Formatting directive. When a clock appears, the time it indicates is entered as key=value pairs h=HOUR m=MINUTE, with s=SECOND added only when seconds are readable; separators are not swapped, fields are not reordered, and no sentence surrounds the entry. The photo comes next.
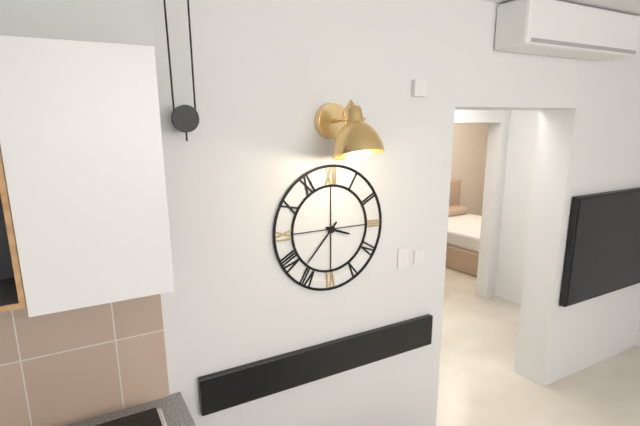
h=3 m=37
